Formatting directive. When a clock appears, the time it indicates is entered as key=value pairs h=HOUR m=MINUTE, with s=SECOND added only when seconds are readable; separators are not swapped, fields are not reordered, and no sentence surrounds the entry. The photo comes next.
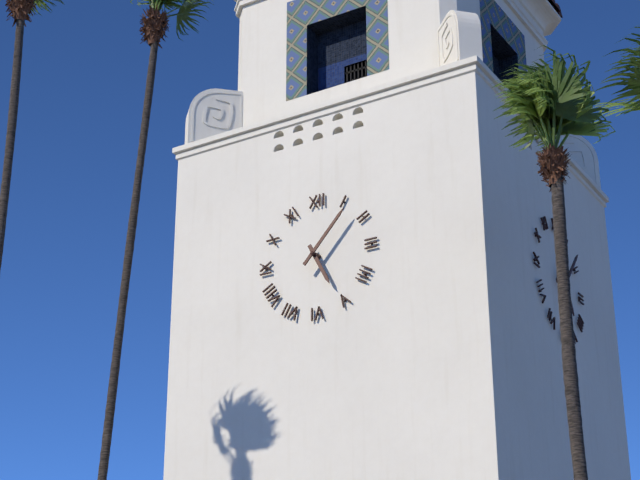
h=5 m=7
